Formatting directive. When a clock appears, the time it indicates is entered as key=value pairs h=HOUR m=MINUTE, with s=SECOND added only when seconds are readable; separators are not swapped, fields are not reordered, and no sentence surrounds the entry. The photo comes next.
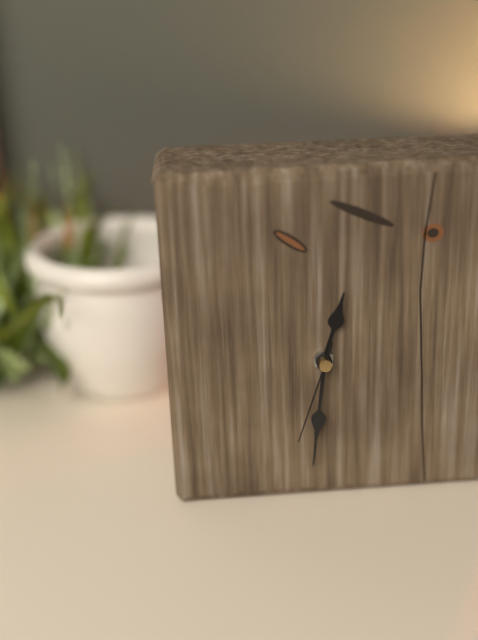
h=12 m=31 s=33
